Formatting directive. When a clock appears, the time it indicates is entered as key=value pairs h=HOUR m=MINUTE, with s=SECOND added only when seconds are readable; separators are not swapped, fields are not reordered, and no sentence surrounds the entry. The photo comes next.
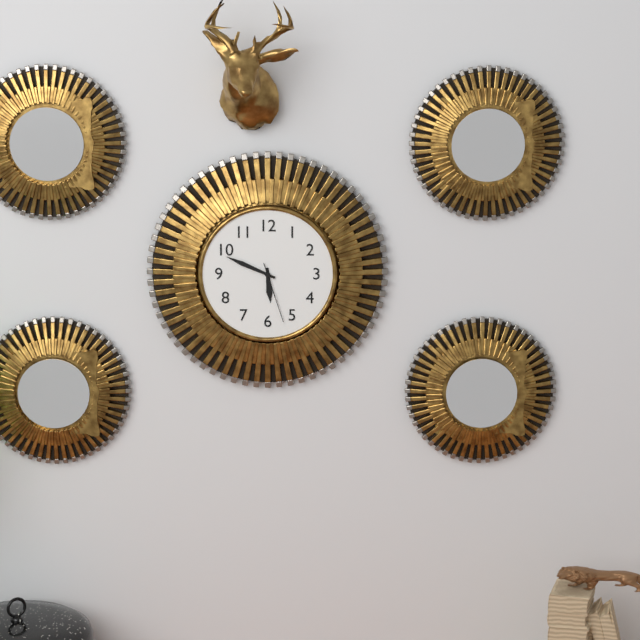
h=5 m=49 s=27
